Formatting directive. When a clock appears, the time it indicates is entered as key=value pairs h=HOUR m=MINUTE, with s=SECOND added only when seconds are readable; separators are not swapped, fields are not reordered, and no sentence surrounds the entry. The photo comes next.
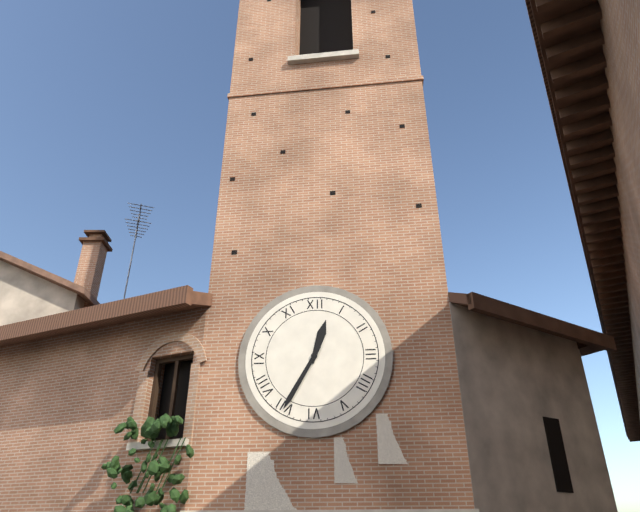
h=12 m=35
